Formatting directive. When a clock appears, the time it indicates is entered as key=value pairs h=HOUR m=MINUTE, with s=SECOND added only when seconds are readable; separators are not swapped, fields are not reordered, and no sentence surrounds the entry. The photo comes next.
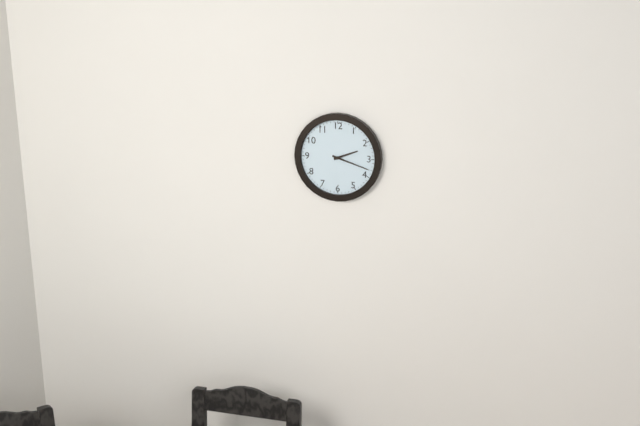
h=2 m=18
